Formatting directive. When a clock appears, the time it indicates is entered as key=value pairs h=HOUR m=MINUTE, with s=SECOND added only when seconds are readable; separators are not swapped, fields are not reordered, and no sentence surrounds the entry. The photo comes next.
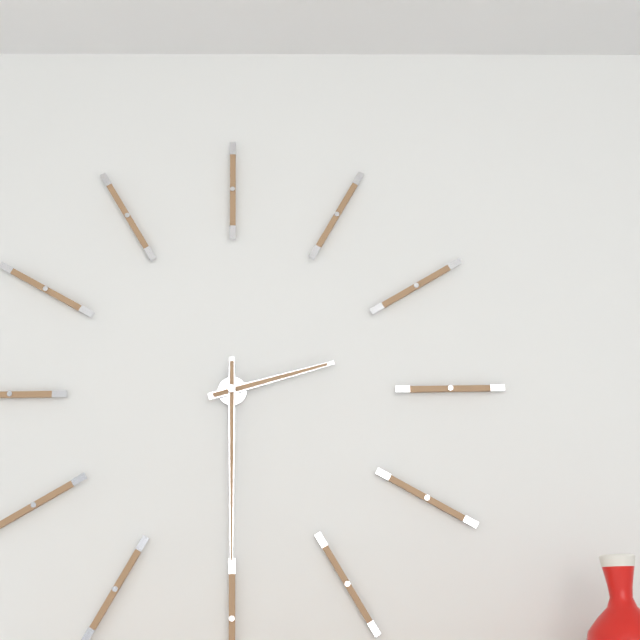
h=2 m=30
